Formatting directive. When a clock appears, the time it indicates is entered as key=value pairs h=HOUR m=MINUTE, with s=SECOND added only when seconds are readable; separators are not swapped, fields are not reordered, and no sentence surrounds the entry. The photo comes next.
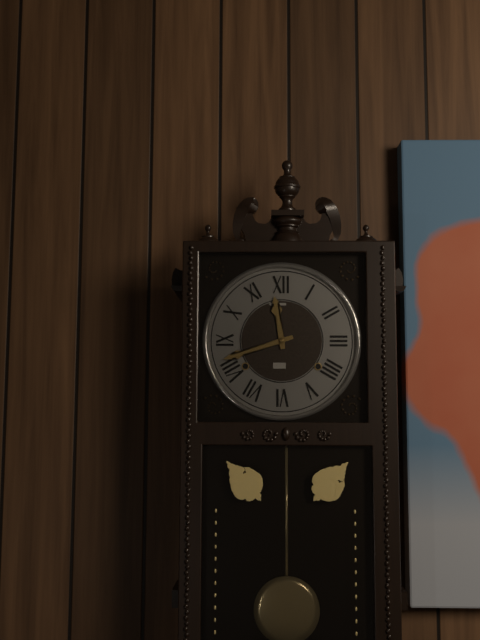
h=11 m=42
